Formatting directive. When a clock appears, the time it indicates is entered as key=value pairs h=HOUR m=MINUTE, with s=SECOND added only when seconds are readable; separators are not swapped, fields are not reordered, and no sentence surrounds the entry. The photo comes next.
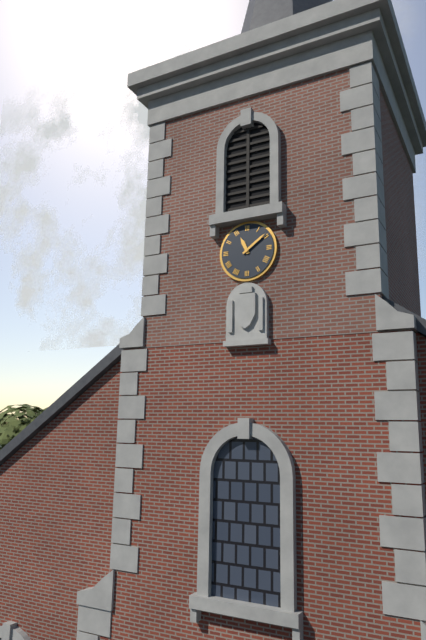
h=11 m=9
